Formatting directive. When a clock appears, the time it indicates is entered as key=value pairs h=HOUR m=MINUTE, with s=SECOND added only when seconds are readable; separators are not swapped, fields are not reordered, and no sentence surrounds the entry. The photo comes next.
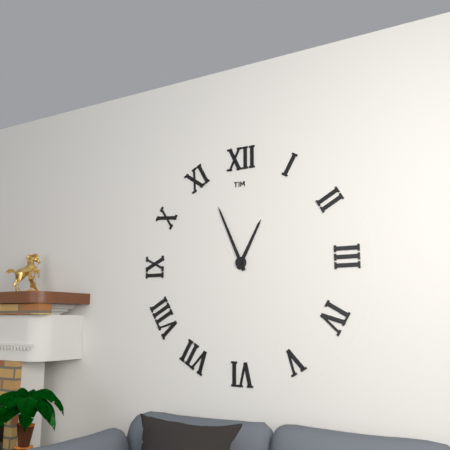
h=12 m=56
